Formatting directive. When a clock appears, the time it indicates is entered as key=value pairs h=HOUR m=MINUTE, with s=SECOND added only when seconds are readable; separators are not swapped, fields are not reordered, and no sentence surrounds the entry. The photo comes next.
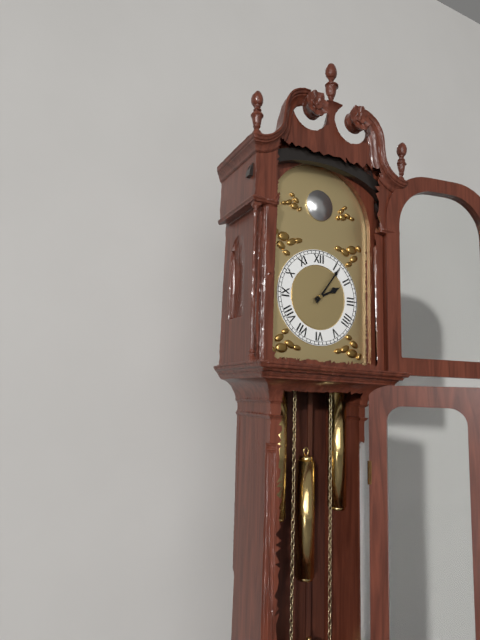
h=2 m=6
